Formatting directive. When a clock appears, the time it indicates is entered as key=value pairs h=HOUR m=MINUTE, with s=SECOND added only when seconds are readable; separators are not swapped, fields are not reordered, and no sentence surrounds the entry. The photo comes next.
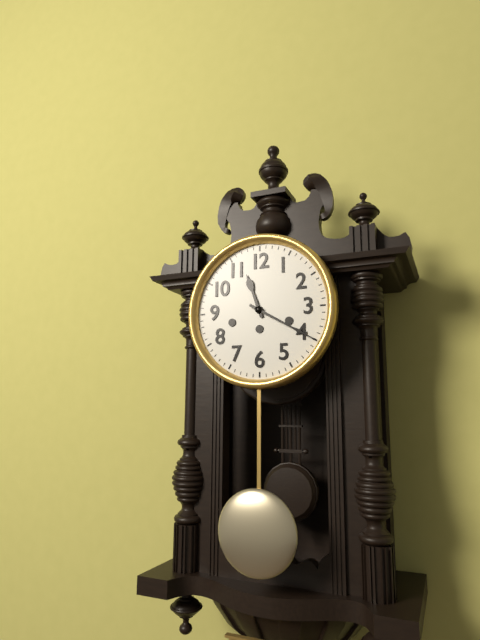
h=11 m=20
